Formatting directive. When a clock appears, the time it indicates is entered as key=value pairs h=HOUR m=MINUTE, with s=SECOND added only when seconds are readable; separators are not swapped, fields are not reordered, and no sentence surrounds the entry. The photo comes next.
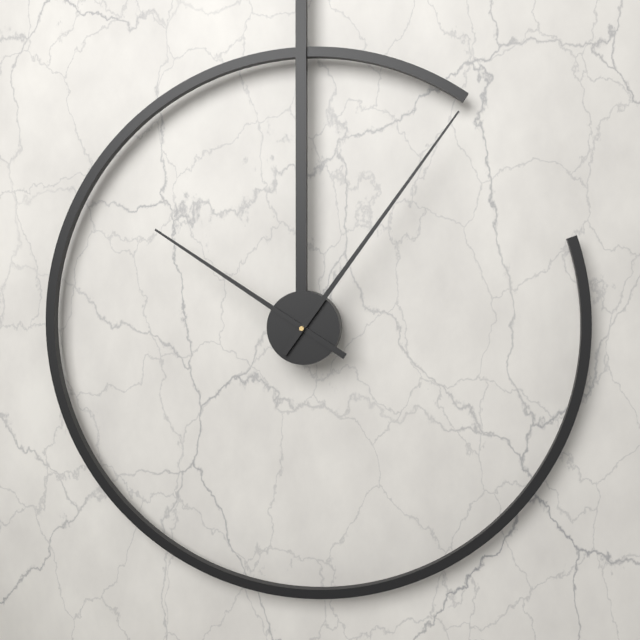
h=10 m=6
